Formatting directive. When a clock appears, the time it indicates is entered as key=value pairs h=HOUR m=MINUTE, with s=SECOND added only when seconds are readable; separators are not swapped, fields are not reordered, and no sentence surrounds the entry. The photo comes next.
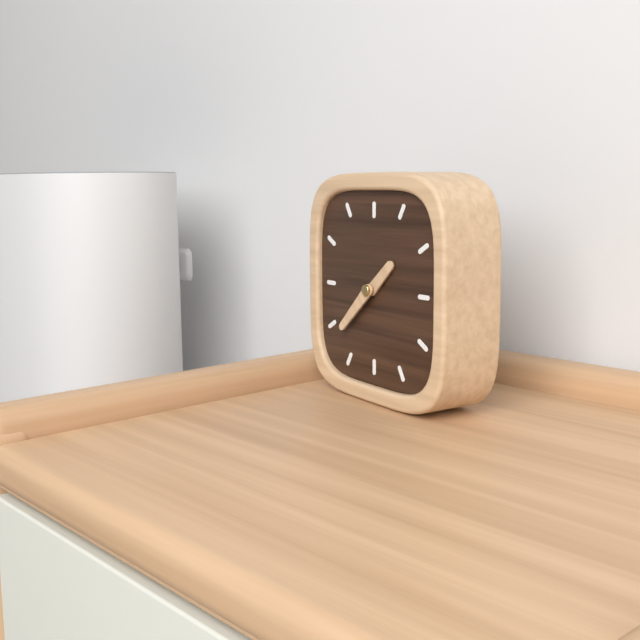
h=1 m=38
